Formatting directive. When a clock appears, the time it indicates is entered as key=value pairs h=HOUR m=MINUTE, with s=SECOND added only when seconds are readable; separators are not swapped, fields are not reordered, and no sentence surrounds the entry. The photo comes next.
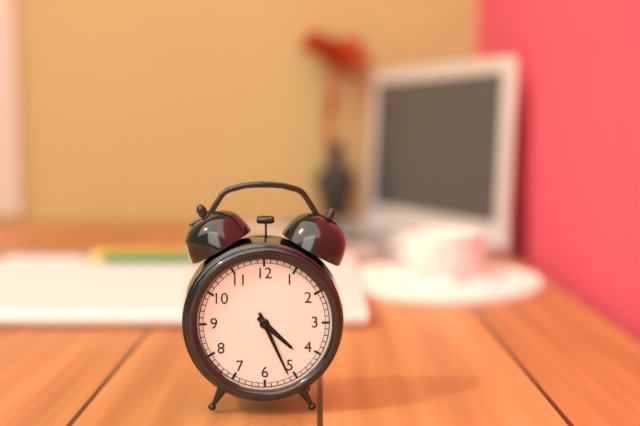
h=4 m=26
